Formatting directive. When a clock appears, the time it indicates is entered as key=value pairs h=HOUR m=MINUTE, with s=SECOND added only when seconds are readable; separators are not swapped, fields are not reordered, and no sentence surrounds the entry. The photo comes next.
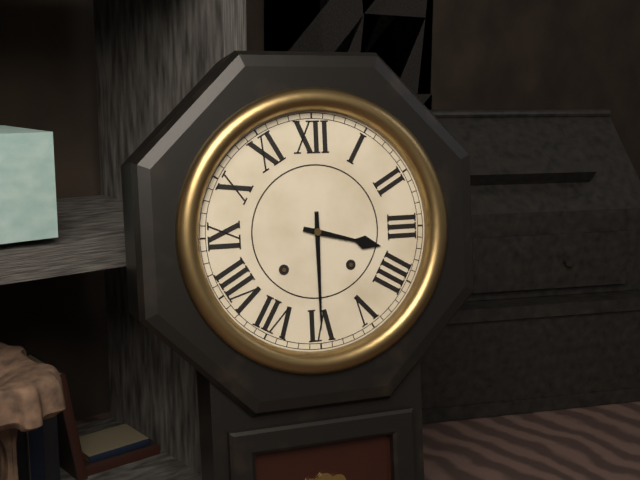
h=3 m=30
